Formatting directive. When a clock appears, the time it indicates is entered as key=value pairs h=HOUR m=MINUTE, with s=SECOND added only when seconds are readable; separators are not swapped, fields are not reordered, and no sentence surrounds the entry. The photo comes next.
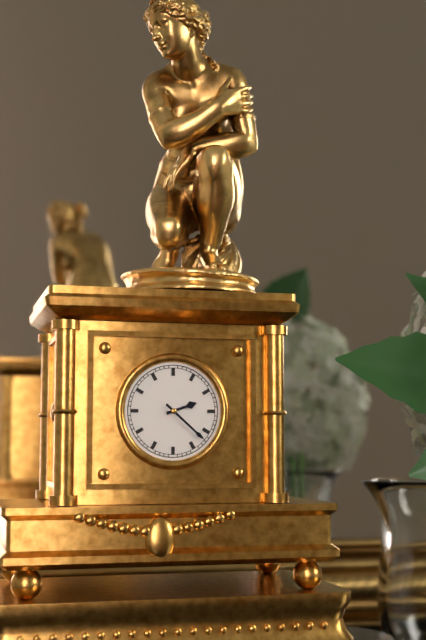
h=2 m=22
